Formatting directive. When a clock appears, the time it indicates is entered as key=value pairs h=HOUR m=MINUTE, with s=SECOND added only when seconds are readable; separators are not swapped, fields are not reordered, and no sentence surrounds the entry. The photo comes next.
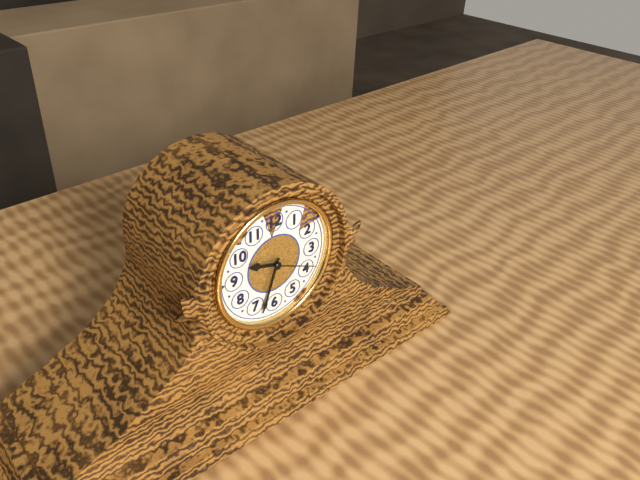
h=9 m=33 s=19
